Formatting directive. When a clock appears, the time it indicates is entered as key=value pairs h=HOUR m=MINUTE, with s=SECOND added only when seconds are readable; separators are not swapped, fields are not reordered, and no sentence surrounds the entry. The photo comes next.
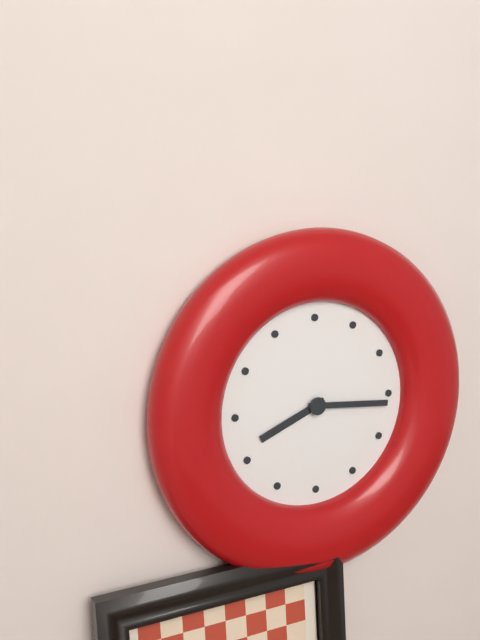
h=8 m=16
